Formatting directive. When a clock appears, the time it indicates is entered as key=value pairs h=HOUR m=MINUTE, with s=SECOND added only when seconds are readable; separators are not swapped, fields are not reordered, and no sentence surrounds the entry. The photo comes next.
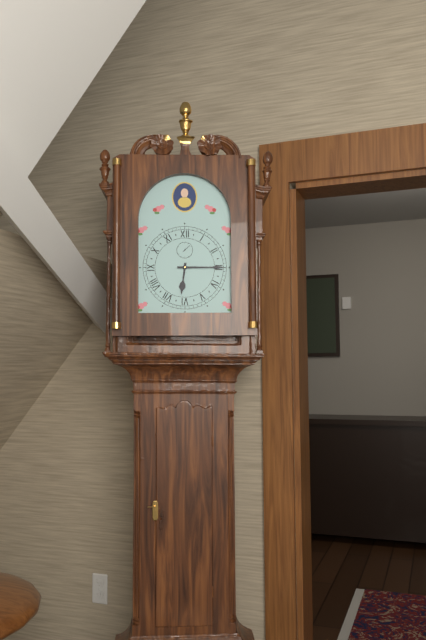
h=6 m=15
